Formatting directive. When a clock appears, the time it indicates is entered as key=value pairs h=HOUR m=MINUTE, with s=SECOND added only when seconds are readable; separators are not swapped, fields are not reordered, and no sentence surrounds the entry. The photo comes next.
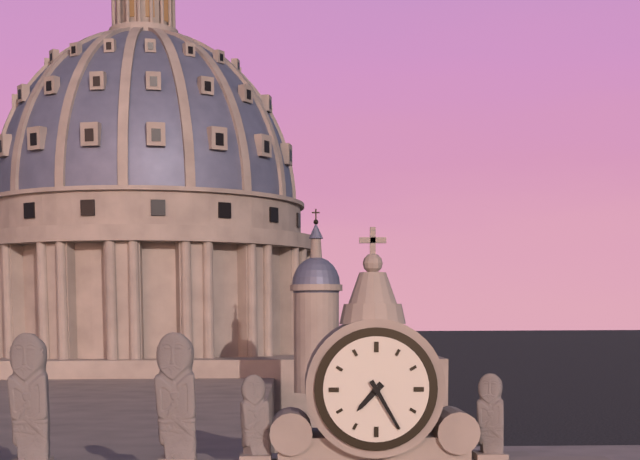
h=7 m=25
